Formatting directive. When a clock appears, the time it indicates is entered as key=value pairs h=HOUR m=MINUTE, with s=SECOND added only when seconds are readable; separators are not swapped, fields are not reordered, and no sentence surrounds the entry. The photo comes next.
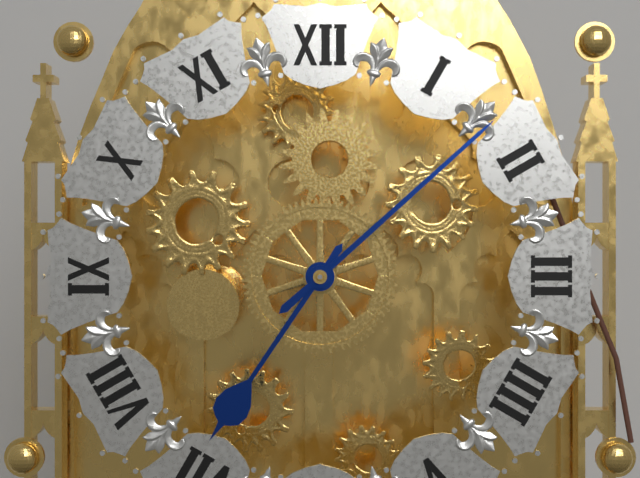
h=7 m=8
